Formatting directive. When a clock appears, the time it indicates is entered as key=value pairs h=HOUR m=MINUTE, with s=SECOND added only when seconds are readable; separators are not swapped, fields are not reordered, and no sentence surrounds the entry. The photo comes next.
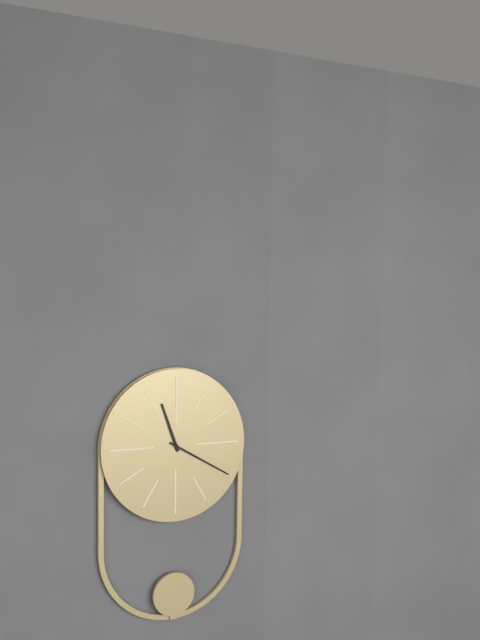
h=11 m=20
